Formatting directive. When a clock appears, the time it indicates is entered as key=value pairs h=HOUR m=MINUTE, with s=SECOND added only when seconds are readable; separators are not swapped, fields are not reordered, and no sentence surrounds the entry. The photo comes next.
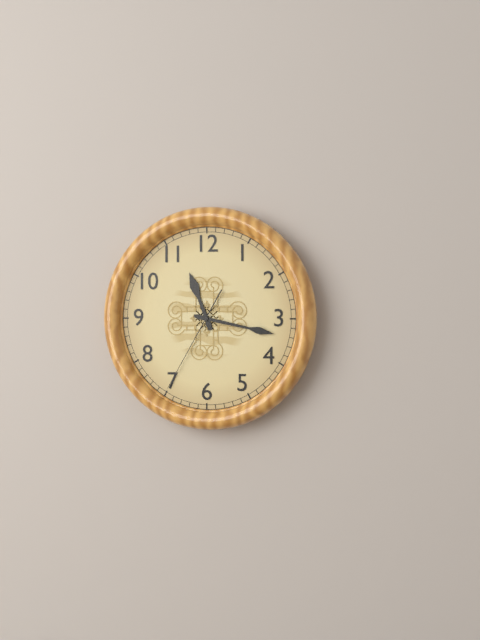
h=11 m=17 s=35
